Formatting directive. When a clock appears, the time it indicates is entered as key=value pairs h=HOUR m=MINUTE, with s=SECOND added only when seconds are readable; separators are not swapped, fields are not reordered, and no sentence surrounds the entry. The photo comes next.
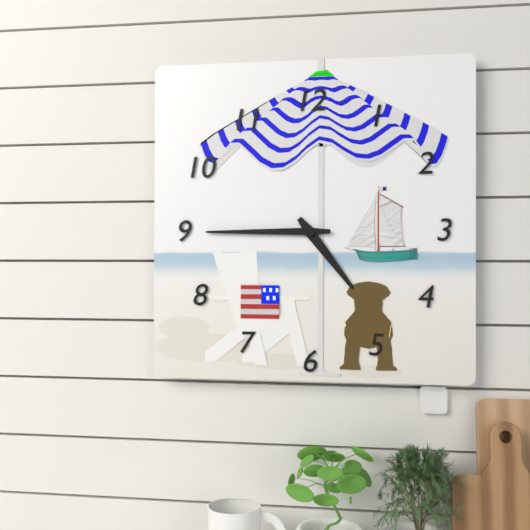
h=4 m=45
